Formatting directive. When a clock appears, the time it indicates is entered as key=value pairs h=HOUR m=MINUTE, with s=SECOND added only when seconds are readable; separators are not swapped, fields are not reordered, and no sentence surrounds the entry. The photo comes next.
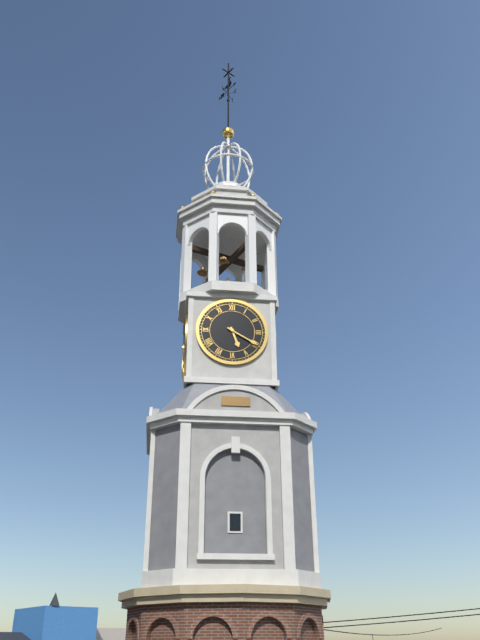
h=5 m=20
